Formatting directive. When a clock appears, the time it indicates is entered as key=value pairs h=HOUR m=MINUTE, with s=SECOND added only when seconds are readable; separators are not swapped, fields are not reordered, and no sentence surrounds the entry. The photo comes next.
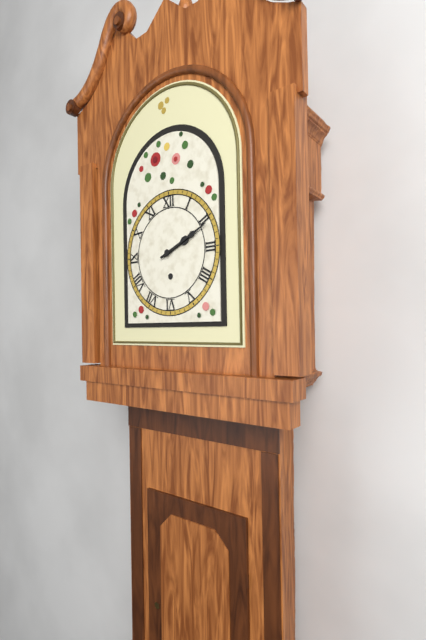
h=2 m=11
